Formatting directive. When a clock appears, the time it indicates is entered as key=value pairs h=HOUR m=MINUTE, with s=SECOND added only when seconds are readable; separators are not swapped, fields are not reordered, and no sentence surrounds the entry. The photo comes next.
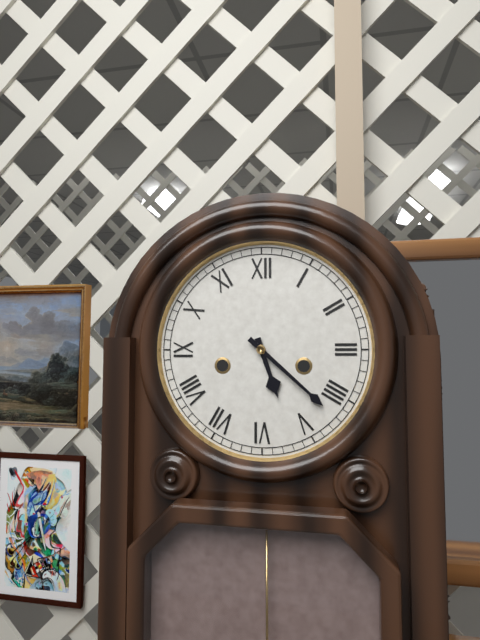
h=5 m=22
